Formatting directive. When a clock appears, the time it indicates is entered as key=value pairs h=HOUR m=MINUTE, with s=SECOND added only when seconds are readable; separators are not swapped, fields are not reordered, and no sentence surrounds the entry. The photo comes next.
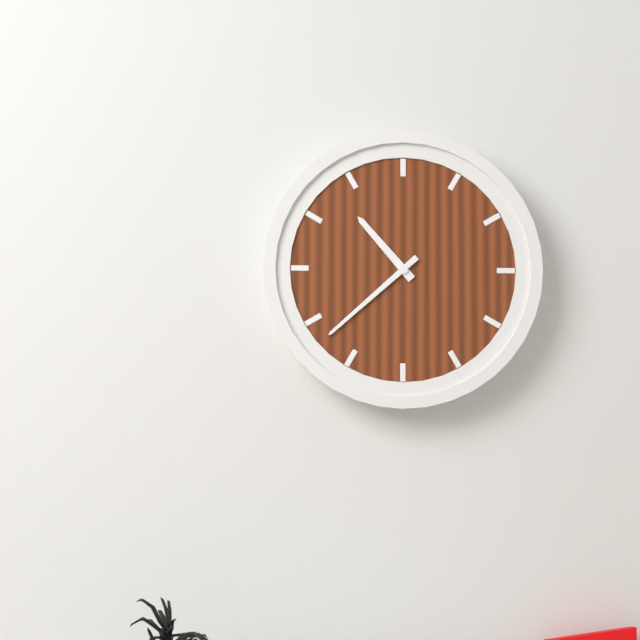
h=10 m=38
